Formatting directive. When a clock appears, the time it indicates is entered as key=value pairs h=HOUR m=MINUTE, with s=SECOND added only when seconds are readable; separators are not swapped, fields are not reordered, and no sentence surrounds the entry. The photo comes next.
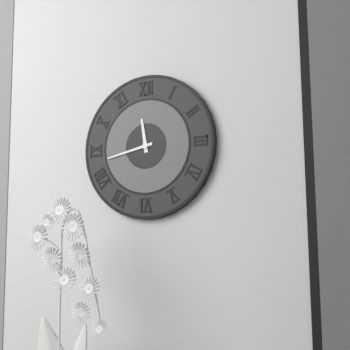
h=11 m=43
